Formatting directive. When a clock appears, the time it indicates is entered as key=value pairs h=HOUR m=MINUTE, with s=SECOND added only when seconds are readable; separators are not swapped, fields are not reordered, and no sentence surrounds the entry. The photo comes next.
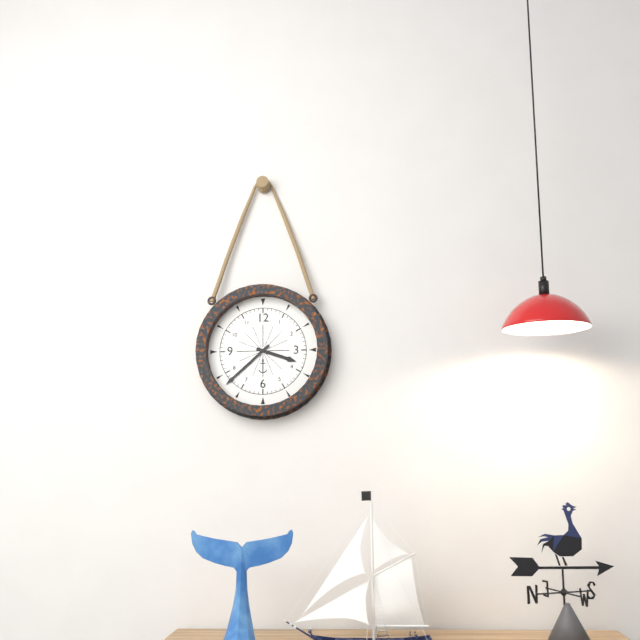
h=3 m=38
